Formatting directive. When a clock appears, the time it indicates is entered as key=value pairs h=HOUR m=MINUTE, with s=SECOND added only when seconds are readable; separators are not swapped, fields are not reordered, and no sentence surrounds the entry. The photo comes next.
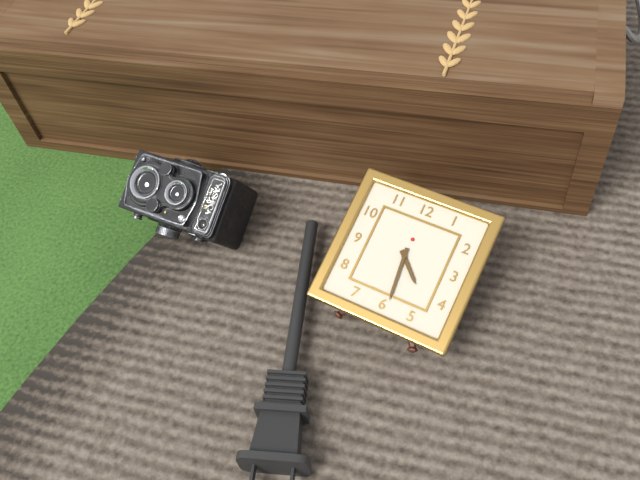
h=4 m=29
